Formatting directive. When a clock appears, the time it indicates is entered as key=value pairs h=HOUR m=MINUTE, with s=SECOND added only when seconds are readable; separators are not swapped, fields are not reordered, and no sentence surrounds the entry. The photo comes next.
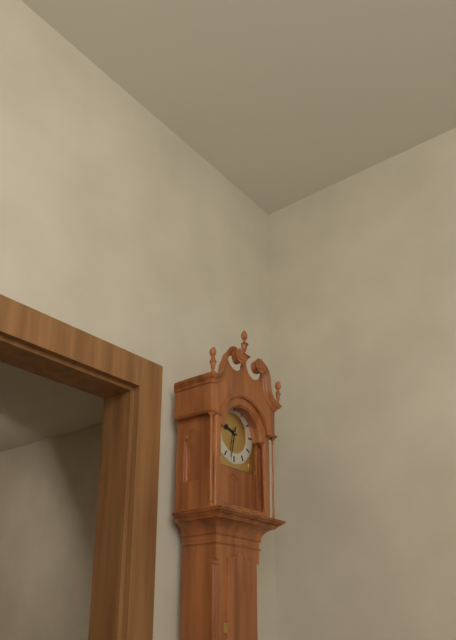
h=9 m=32
